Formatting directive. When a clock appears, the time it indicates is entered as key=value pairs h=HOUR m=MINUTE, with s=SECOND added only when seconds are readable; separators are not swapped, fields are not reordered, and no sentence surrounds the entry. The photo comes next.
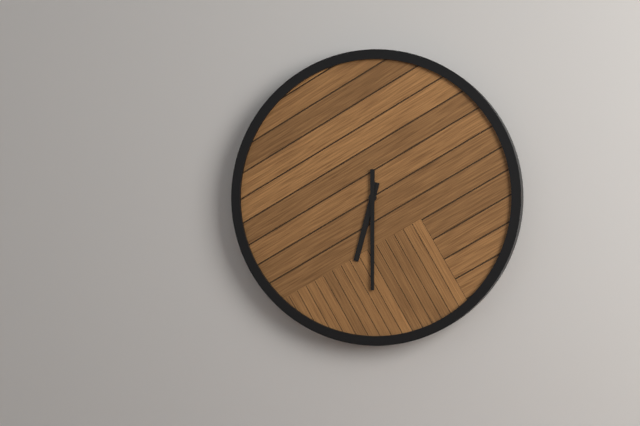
h=6 m=30
